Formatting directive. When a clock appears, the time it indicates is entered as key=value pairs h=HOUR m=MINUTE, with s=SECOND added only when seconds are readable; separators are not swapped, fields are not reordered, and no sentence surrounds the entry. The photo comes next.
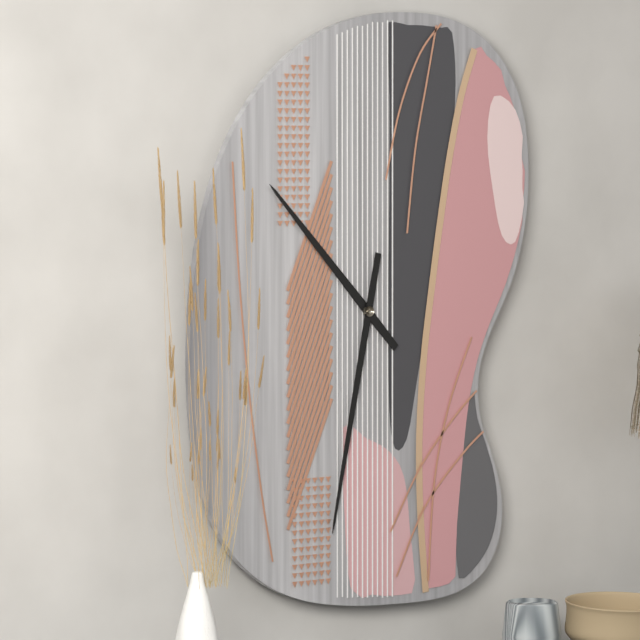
h=10 m=32
